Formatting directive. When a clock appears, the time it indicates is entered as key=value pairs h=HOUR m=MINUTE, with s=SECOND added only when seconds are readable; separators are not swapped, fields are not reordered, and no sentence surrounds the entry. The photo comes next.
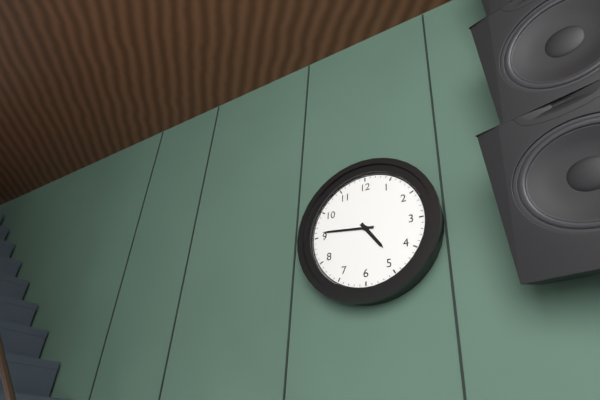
h=4 m=46
